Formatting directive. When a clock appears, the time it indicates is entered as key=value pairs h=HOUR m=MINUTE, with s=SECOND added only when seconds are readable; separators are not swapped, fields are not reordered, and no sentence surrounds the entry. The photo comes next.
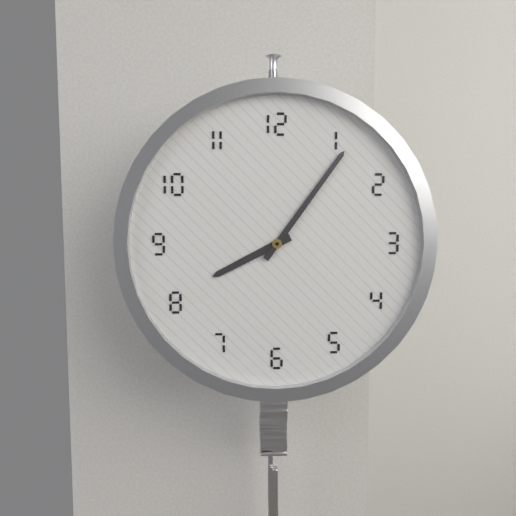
h=8 m=6
